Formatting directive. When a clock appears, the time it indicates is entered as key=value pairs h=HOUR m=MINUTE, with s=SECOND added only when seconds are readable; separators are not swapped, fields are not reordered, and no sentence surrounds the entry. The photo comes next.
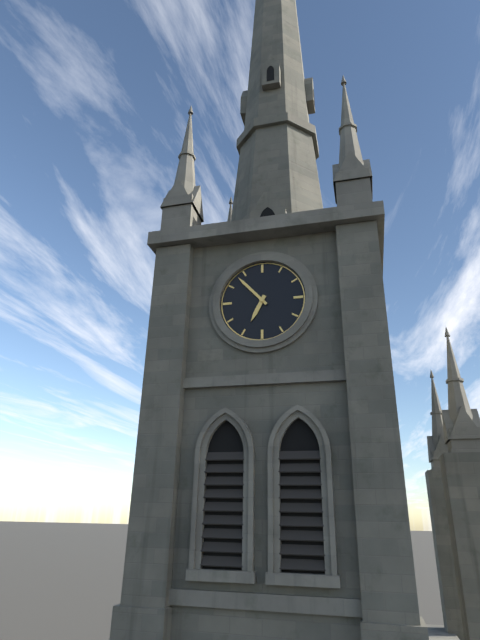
h=6 m=53
